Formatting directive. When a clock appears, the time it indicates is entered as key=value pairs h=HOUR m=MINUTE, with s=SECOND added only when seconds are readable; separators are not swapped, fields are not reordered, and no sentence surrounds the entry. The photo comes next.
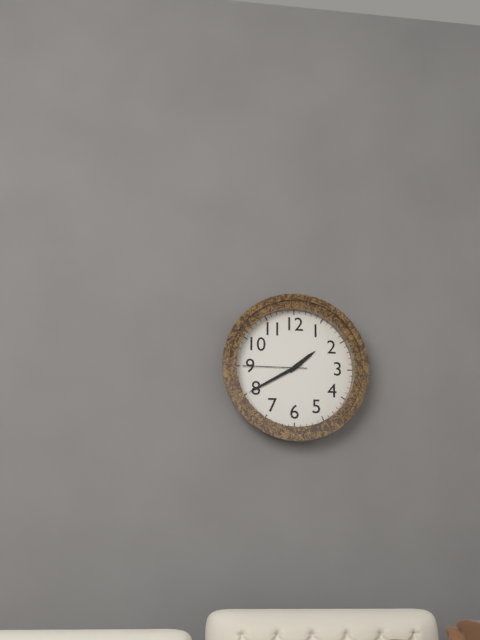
h=1 m=40 s=45
